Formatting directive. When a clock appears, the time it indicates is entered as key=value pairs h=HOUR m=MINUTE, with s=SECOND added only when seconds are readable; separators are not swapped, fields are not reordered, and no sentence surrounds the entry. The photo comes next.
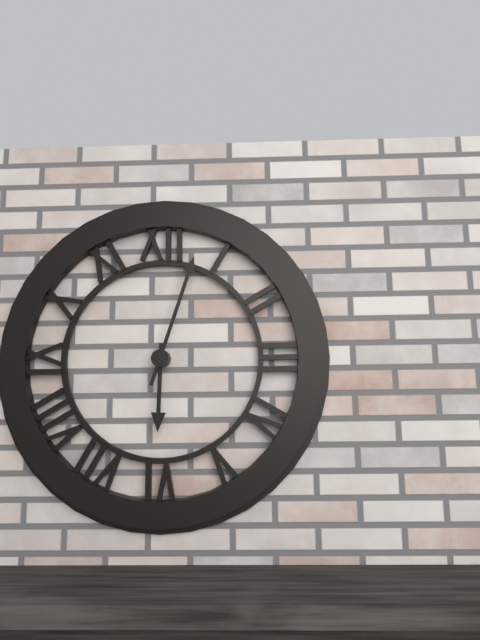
h=6 m=3
